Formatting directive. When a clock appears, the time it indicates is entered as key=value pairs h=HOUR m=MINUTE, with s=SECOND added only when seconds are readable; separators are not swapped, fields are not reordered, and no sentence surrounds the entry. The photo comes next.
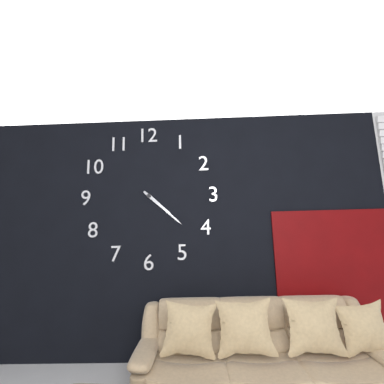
h=4 m=22
